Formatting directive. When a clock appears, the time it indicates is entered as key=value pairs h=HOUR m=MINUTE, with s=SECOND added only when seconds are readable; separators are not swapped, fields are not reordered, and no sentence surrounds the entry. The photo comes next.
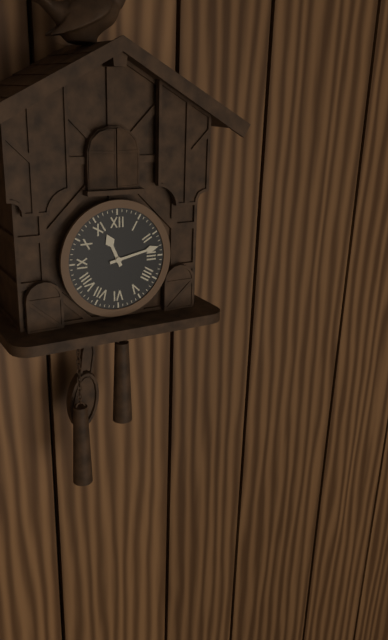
h=11 m=13
